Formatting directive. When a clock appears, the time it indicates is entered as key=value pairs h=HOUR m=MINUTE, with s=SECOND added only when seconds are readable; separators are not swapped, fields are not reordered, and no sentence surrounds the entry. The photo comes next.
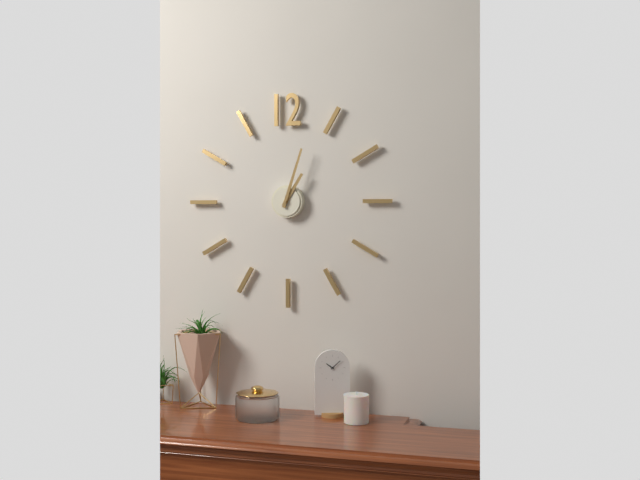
h=1 m=3
